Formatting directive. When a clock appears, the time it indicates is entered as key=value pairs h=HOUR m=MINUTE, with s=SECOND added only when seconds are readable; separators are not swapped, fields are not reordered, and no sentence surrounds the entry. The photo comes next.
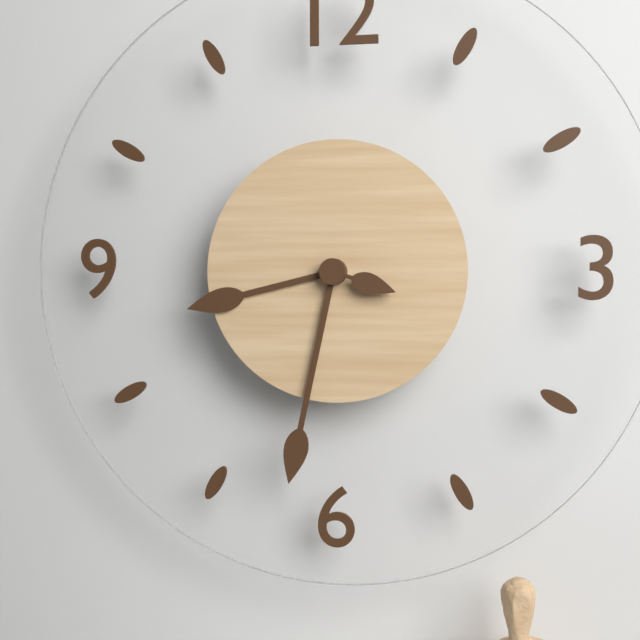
h=8 m=32 s=18
